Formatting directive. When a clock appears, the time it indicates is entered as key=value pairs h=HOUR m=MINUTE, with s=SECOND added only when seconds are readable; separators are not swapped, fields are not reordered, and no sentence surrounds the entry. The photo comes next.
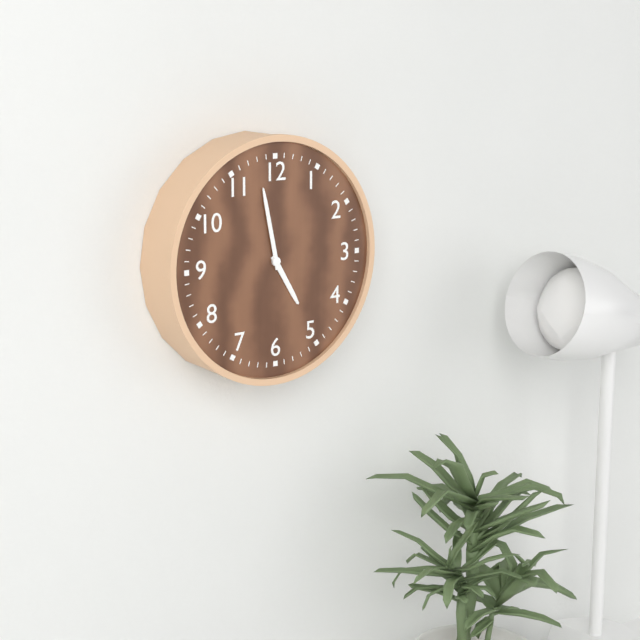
h=4 m=58
